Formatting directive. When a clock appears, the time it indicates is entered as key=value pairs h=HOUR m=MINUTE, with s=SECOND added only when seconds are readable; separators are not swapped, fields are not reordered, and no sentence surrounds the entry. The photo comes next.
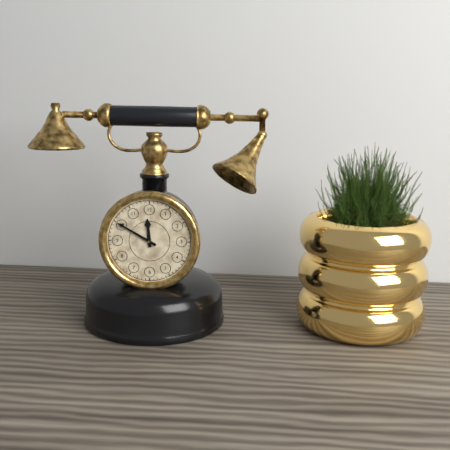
h=11 m=50
